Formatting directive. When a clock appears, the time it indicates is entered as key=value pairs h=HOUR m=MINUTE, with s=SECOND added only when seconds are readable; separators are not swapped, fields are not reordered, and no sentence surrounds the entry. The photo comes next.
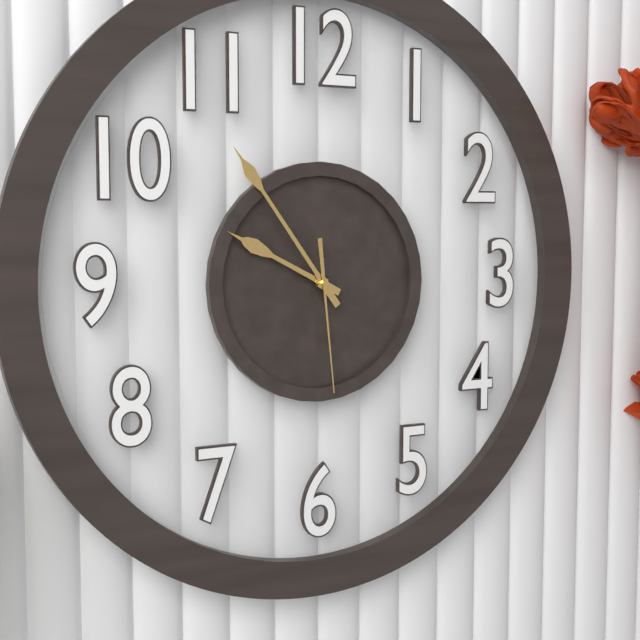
h=9 m=54 s=29
